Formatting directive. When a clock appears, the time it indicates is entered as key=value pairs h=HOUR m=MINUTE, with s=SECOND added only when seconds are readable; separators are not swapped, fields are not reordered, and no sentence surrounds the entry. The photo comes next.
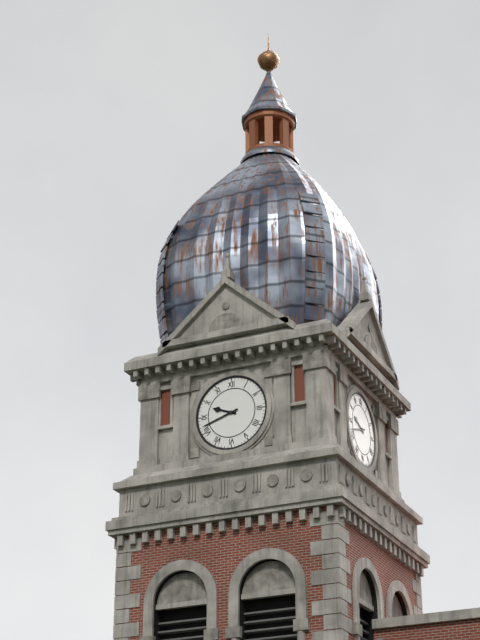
h=9 m=42
